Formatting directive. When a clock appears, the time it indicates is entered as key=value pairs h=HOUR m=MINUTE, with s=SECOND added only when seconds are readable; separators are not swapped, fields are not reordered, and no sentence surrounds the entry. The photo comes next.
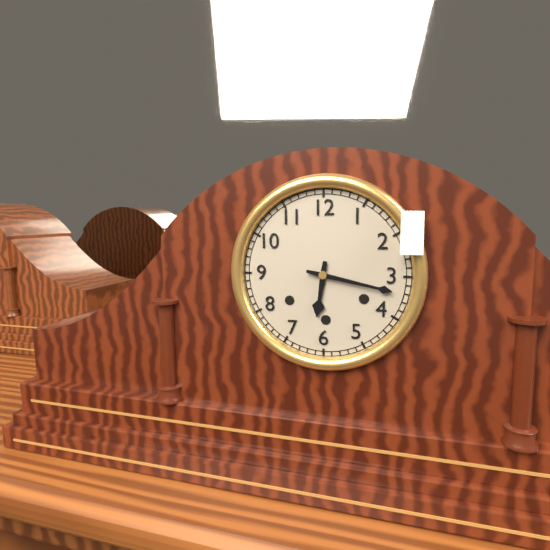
h=6 m=17
